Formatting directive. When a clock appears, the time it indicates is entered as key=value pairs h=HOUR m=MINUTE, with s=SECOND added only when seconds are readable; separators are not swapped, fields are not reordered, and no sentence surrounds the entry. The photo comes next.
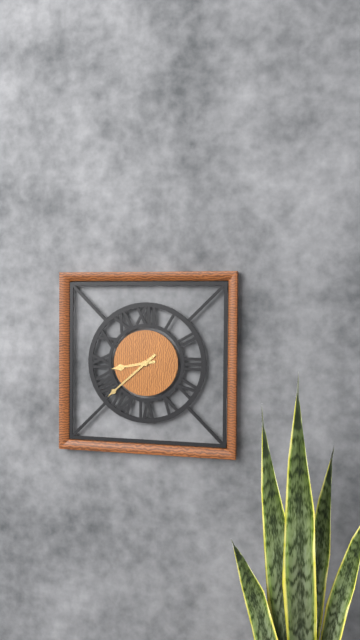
h=8 m=38
